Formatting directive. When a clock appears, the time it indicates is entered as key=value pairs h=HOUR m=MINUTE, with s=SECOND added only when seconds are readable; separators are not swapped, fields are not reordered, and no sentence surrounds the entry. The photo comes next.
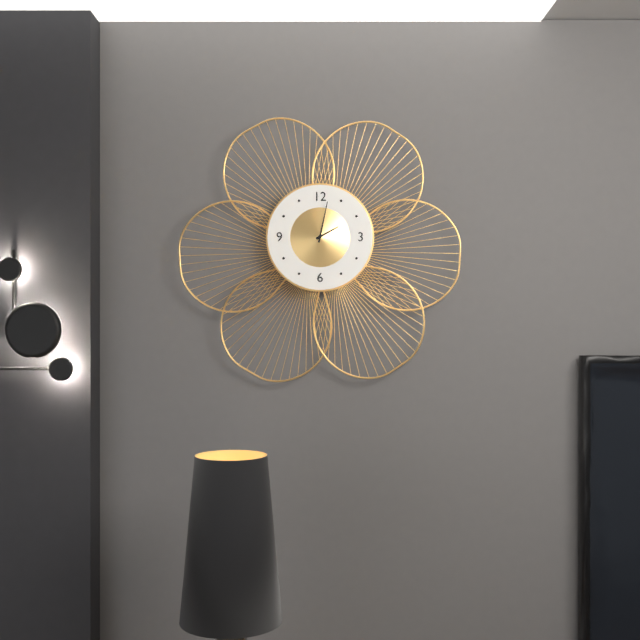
h=2 m=2
